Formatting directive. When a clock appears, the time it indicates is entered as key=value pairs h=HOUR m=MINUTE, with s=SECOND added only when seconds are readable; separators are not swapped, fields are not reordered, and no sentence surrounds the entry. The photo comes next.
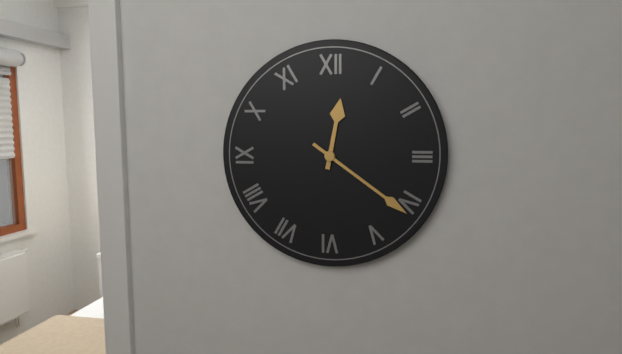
h=12 m=21
